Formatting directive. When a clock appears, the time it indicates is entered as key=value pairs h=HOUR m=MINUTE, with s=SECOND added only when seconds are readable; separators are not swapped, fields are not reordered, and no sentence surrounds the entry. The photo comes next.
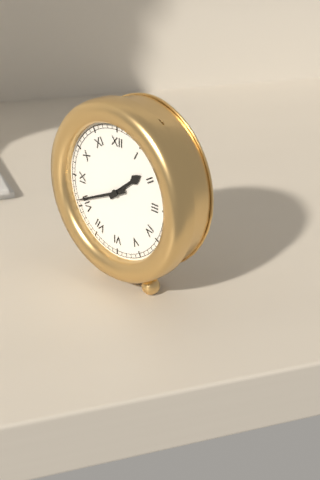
h=1 m=41
